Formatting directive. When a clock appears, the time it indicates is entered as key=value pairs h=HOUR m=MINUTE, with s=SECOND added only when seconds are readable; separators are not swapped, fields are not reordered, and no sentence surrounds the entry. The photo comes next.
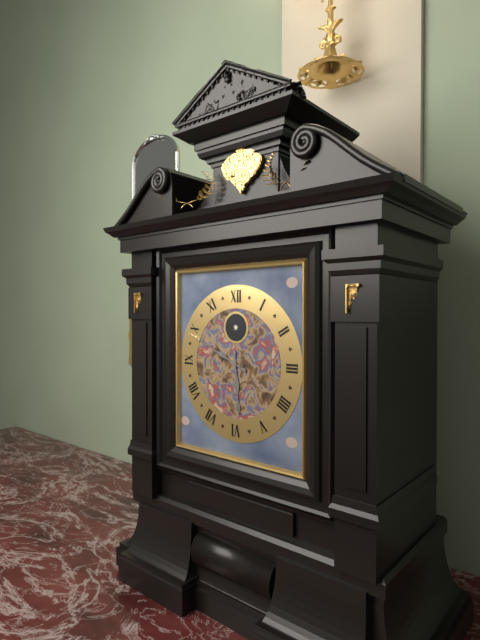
h=5 m=49
